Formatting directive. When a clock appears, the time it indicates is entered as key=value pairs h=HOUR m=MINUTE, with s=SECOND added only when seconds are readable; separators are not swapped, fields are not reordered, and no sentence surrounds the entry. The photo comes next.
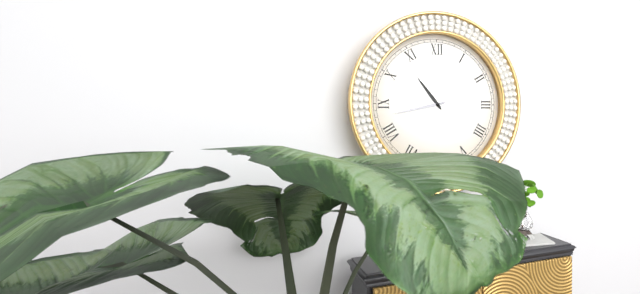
h=10 m=43
